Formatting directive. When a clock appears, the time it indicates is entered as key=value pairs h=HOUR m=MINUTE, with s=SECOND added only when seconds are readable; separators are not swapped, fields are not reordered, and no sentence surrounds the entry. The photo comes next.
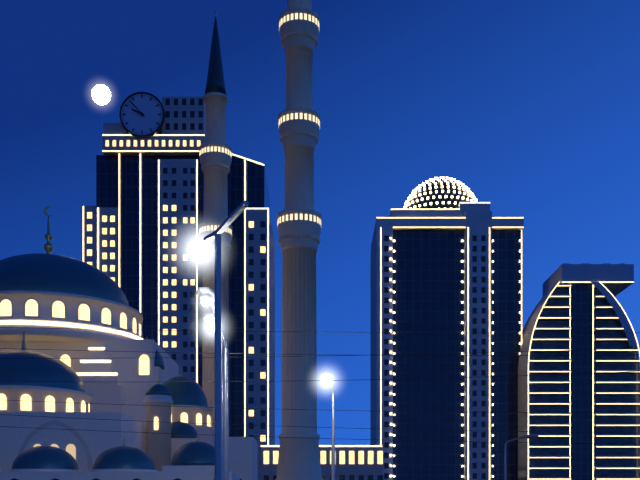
h=9 m=53
